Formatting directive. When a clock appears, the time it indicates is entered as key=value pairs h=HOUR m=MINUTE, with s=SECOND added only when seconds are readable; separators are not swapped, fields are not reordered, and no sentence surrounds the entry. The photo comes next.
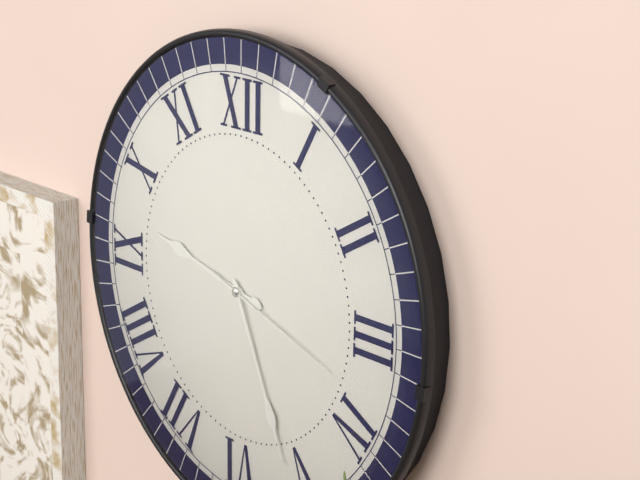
h=9 m=26 s=18
